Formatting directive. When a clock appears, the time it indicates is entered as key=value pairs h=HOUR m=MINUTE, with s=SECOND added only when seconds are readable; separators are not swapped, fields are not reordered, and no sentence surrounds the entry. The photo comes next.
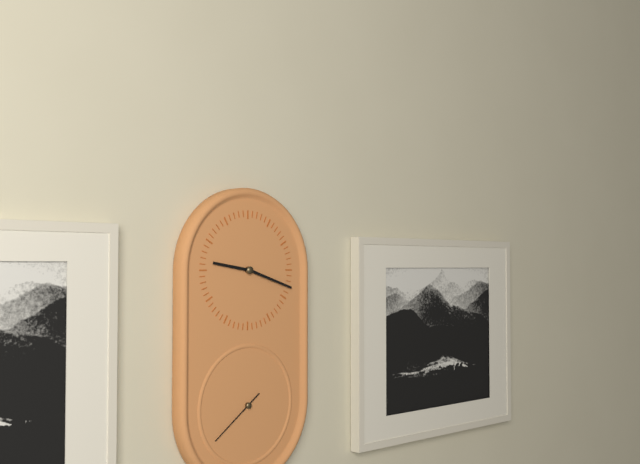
h=9 m=18 s=39
